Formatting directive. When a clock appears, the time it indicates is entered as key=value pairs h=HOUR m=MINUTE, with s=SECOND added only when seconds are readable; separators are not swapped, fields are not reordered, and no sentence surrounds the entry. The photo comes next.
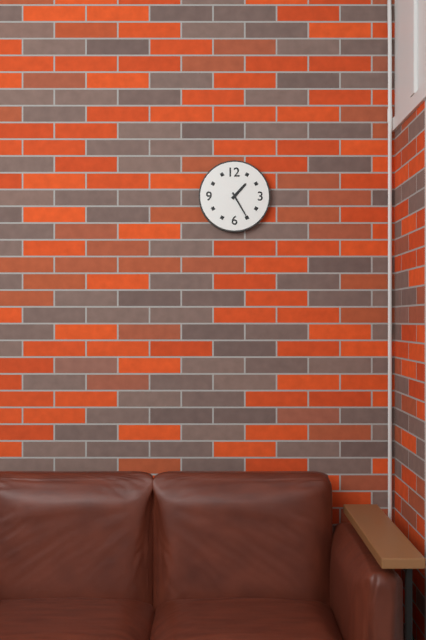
h=1 m=25
